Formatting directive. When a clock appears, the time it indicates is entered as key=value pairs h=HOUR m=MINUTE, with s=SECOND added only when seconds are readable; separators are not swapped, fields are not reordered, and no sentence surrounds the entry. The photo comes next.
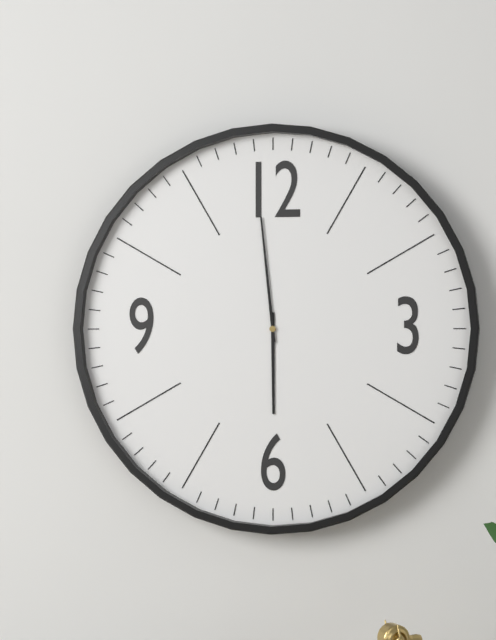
h=5 m=59
